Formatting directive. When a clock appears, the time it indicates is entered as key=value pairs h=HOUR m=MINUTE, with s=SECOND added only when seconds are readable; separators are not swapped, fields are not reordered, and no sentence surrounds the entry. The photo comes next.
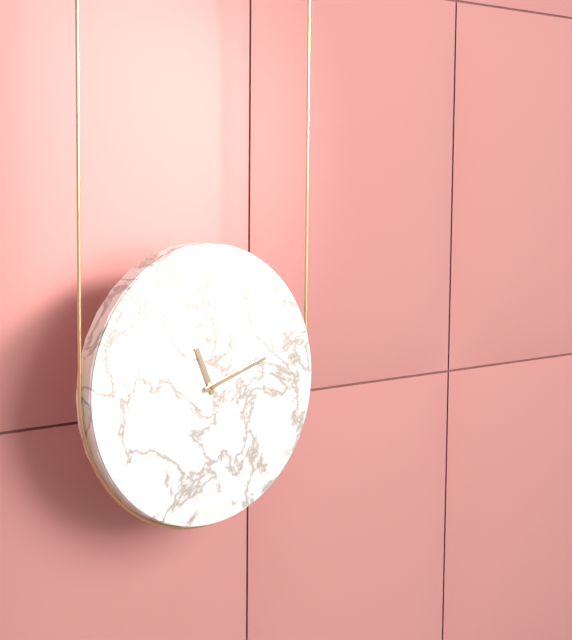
h=11 m=12
